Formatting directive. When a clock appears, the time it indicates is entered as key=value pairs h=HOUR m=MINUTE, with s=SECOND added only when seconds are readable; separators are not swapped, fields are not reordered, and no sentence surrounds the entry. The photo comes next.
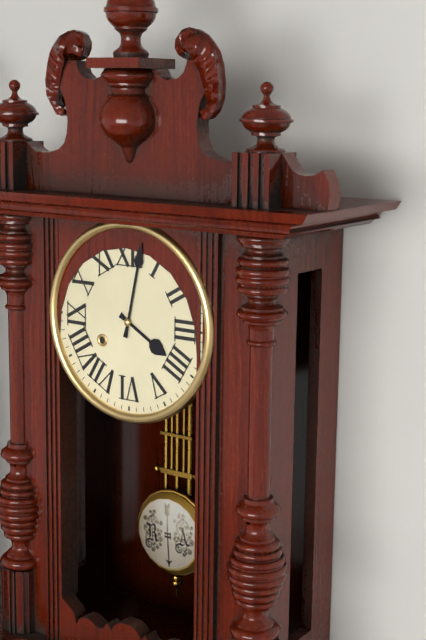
h=4 m=2
